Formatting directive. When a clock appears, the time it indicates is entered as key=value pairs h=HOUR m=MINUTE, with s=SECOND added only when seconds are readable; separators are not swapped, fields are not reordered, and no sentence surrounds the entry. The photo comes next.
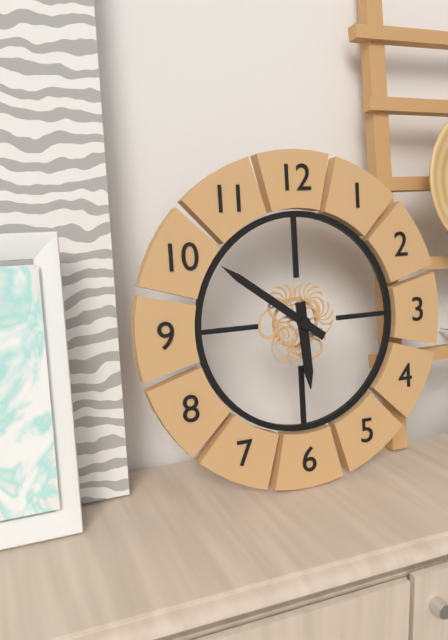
h=5 m=51
